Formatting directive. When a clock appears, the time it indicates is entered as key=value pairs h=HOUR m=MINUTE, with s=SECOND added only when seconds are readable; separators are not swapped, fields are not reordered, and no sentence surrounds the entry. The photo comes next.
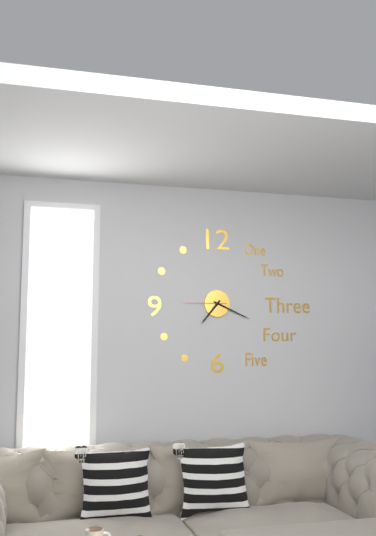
h=7 m=19
